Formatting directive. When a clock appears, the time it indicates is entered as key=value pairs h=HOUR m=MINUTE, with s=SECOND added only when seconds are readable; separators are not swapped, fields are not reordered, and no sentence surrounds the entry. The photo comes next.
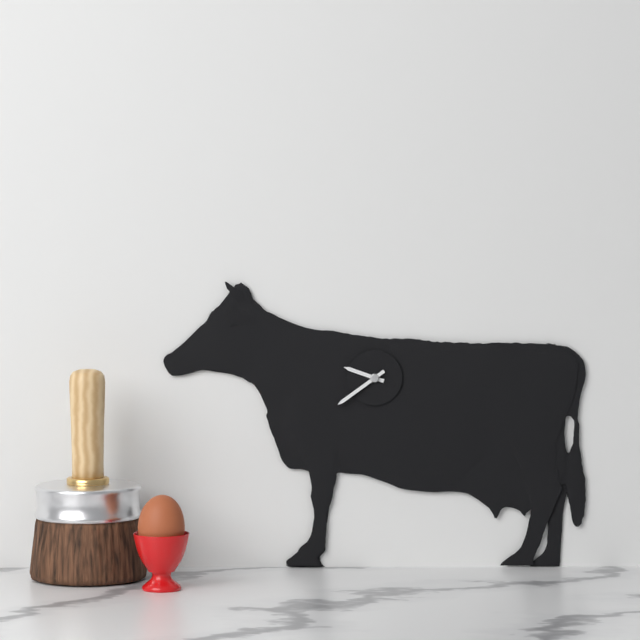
h=9 m=39
